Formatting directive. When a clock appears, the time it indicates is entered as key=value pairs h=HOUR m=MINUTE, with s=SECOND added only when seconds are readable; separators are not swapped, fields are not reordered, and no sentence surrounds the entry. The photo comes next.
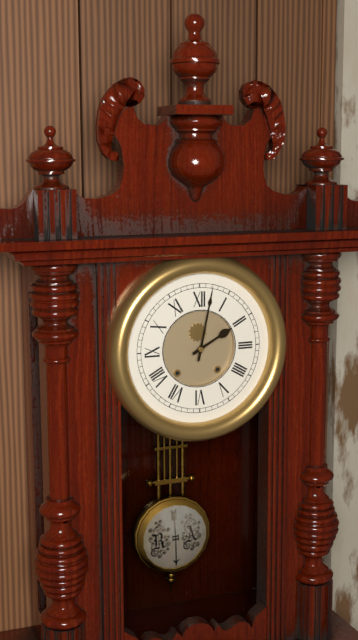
h=2 m=2
